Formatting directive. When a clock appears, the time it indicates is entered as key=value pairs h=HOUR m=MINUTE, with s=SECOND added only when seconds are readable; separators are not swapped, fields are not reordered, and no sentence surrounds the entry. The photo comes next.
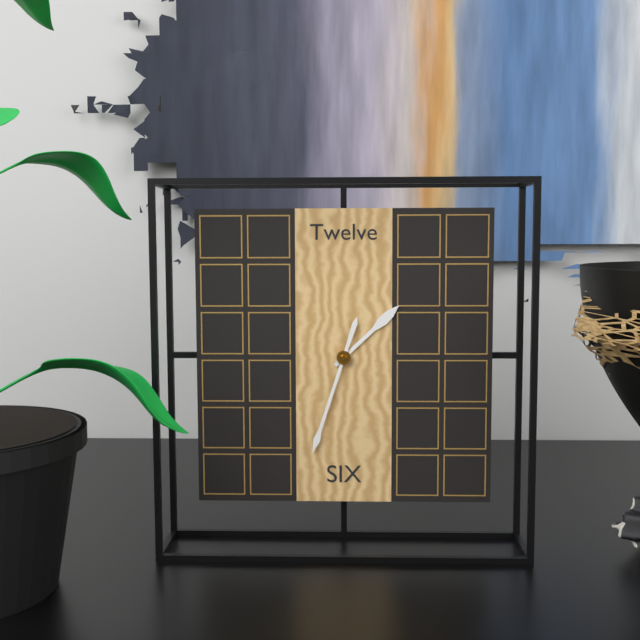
h=1 m=33
